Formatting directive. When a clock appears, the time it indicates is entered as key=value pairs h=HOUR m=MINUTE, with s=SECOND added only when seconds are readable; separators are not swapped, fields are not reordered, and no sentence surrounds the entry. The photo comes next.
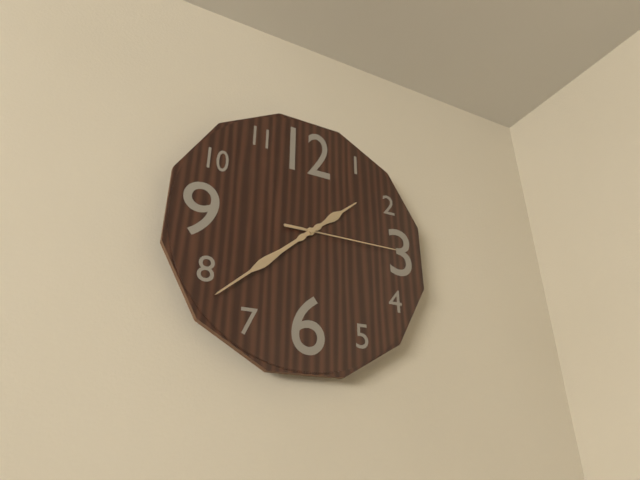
h=1 m=38 s=15
